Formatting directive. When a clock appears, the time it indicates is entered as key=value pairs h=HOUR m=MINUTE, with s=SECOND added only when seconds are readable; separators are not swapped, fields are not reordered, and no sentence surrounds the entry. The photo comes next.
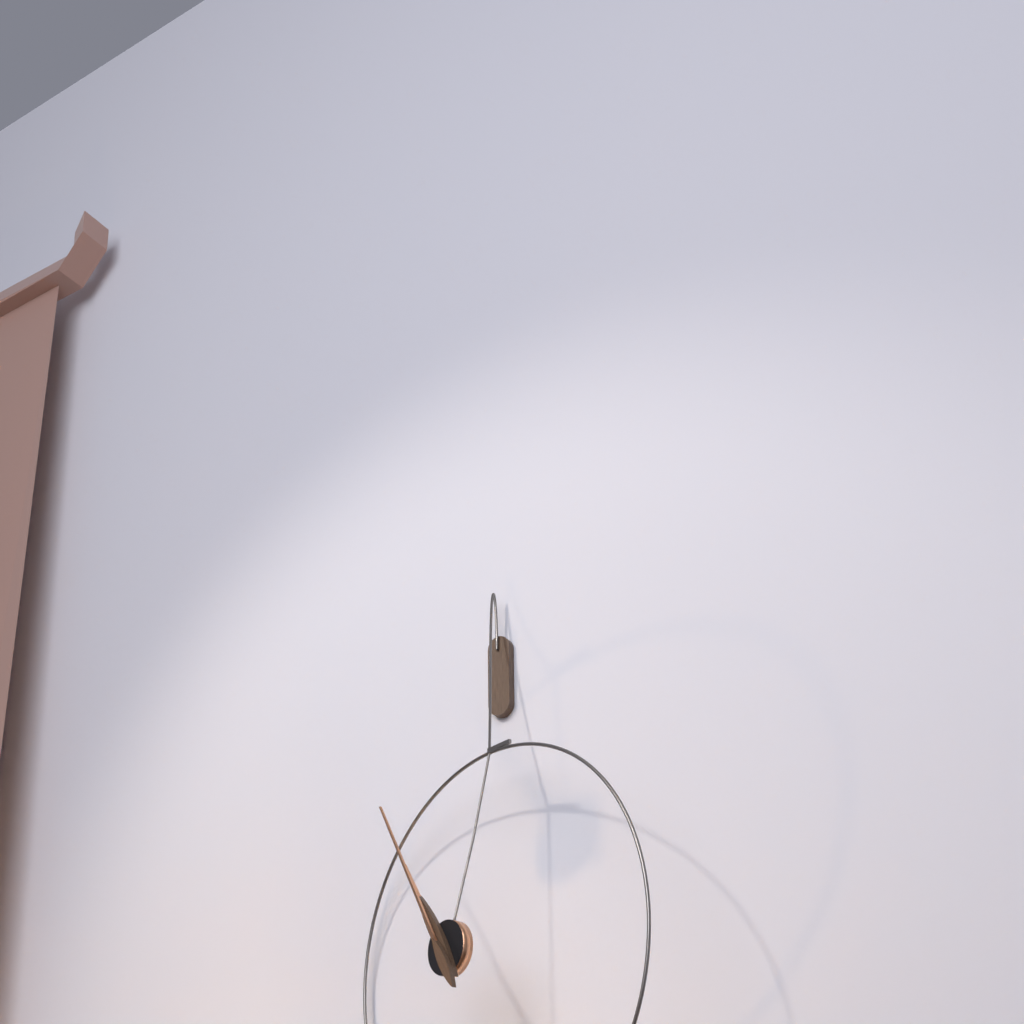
h=10 m=55
